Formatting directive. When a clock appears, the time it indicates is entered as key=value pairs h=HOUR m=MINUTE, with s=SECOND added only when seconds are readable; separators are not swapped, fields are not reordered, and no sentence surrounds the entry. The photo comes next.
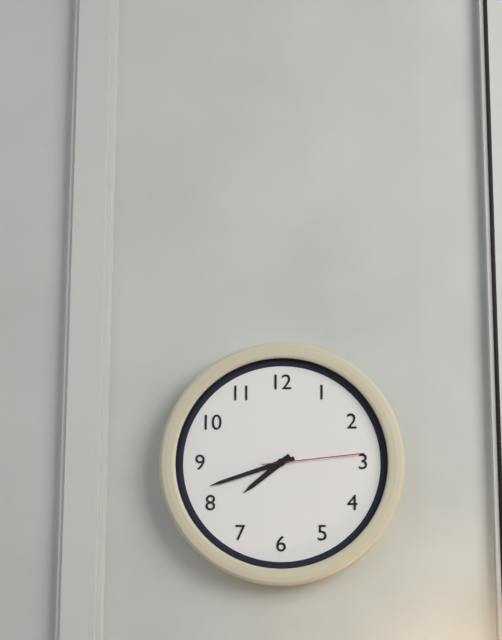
h=7 m=42 s=14
